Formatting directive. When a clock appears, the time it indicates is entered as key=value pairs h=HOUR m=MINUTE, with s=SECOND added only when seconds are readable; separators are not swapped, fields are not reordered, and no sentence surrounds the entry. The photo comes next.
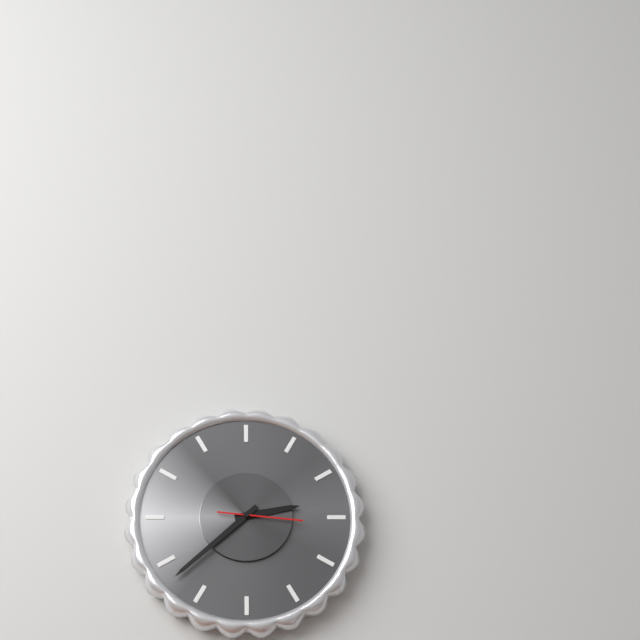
h=2 m=38 s=16
